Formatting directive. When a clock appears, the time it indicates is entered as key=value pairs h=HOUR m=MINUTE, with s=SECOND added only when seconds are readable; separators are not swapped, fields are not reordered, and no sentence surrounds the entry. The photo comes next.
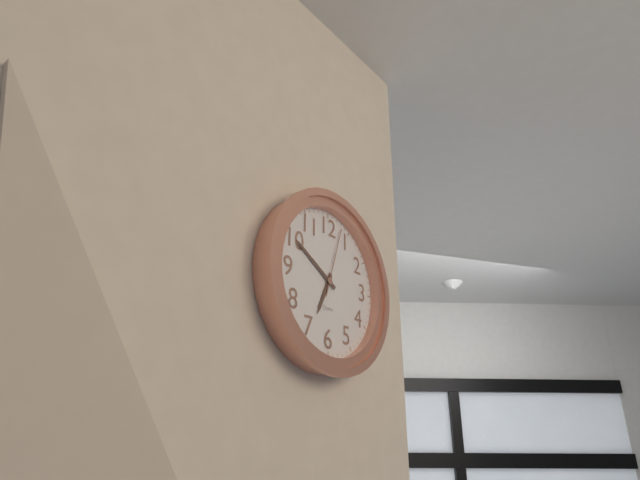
h=6 m=50 s=3
